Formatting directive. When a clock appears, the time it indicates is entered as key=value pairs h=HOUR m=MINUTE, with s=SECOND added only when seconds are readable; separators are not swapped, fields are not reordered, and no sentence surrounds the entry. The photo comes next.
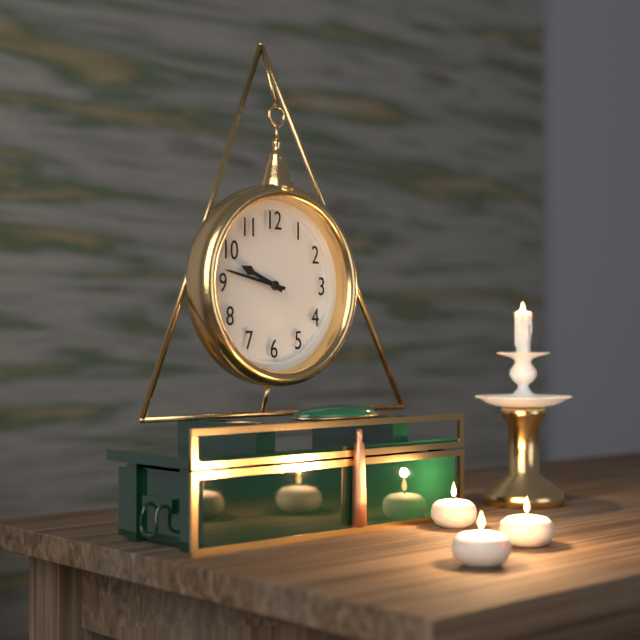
h=9 m=47
